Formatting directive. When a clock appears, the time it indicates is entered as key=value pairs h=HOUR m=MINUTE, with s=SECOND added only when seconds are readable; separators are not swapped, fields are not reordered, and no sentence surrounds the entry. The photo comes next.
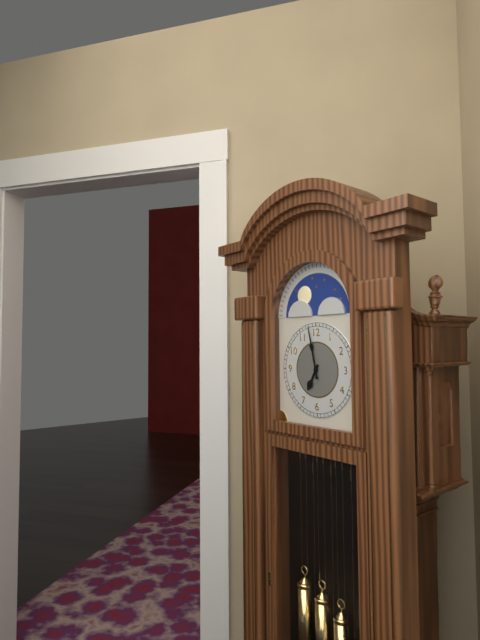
h=6 m=58
